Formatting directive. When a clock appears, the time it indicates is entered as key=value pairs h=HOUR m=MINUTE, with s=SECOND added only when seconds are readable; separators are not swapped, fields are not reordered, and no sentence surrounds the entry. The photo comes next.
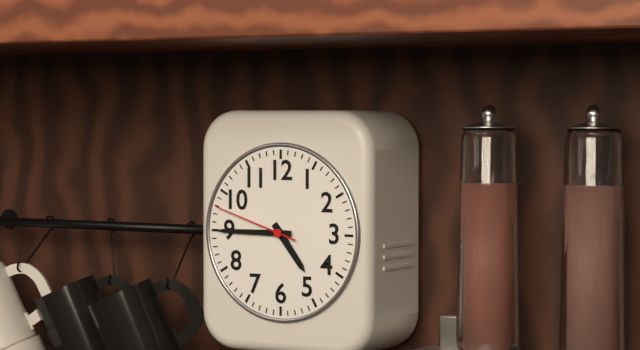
h=4 m=45 s=48
